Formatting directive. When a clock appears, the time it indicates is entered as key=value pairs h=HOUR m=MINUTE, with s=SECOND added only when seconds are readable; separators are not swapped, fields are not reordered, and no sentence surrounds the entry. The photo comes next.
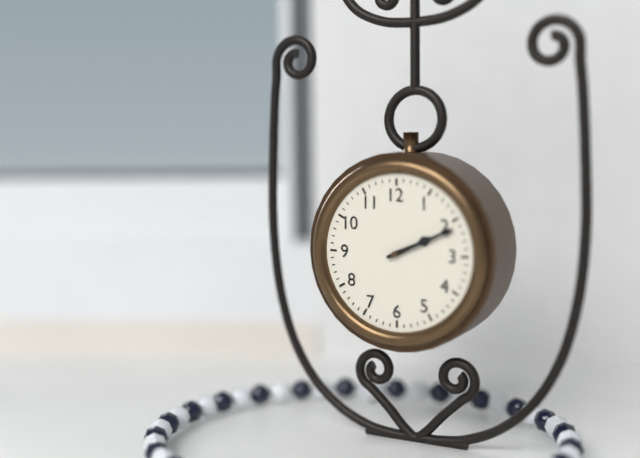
h=2 m=11
